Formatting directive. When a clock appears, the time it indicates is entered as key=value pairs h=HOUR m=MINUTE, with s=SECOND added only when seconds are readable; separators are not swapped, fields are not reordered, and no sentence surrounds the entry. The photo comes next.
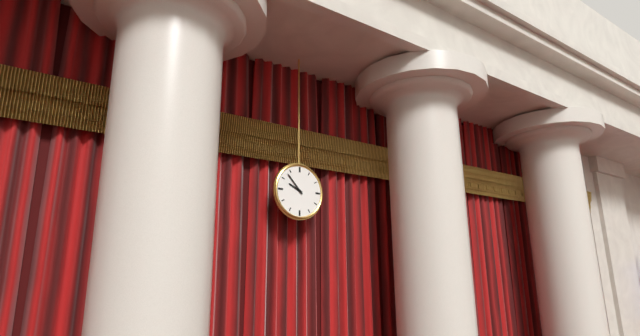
h=9 m=53
